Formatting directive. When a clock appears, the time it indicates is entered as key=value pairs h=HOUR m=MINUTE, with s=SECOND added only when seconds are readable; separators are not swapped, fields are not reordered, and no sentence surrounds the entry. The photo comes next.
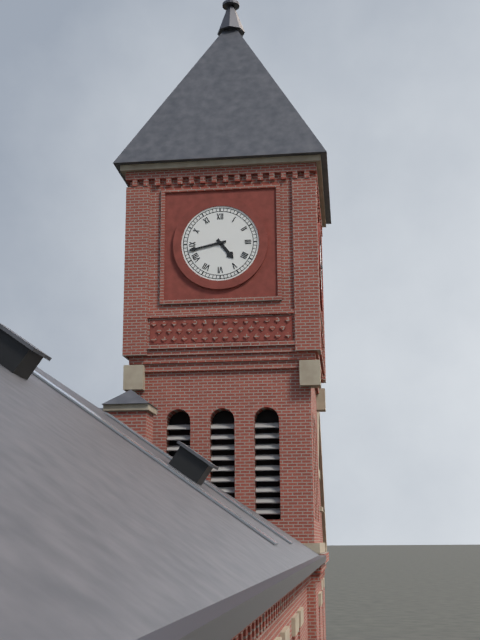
h=4 m=43
